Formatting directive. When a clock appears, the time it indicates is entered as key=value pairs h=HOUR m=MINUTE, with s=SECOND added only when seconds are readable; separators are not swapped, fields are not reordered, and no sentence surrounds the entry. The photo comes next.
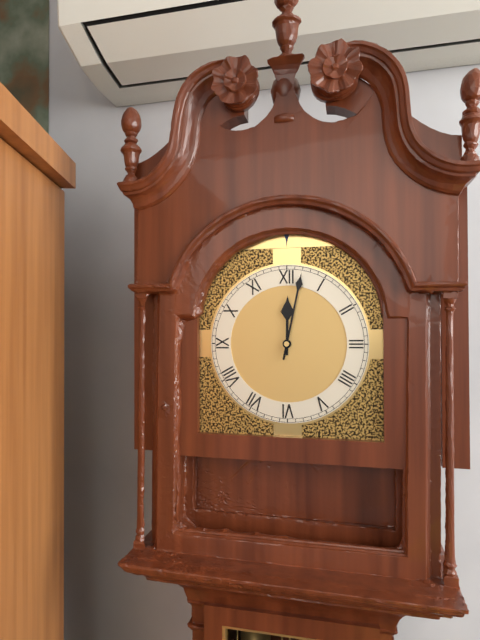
h=12 m=2
